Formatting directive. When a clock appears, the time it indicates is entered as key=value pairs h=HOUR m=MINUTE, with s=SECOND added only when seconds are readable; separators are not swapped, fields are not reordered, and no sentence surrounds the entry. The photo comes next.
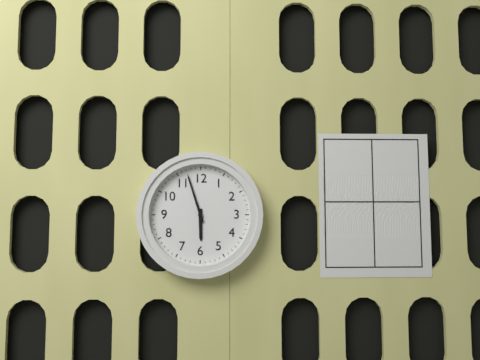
h=5 m=57
